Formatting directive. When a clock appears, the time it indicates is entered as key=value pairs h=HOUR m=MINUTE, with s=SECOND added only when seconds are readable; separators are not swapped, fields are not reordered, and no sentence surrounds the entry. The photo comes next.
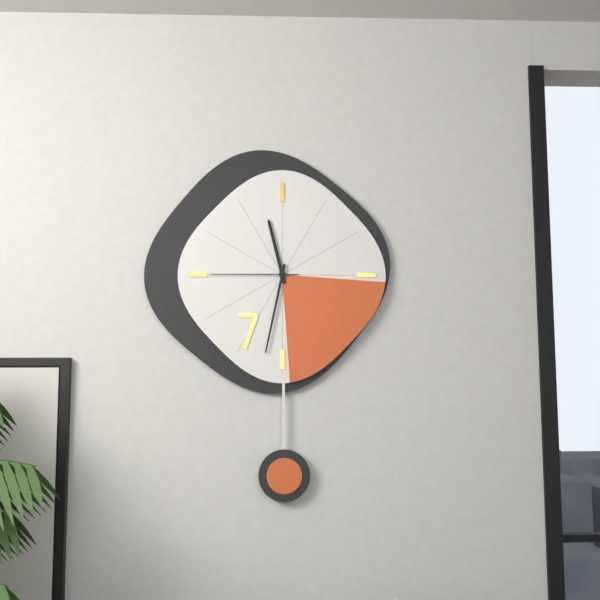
h=11 m=32 s=45
